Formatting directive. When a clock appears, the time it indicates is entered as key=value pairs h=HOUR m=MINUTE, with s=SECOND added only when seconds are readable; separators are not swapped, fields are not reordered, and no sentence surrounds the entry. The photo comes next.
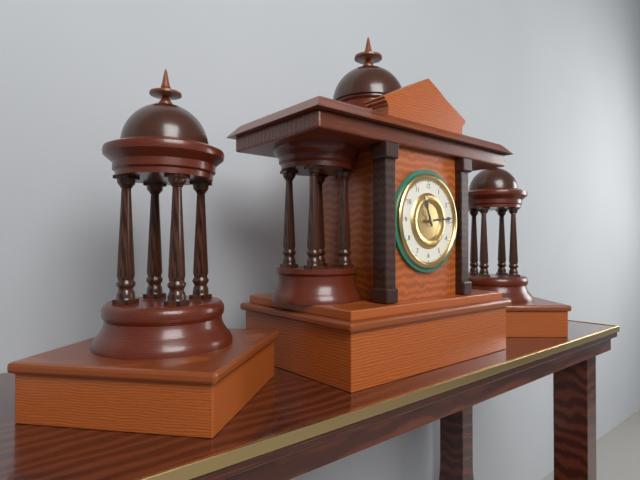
h=11 m=14
